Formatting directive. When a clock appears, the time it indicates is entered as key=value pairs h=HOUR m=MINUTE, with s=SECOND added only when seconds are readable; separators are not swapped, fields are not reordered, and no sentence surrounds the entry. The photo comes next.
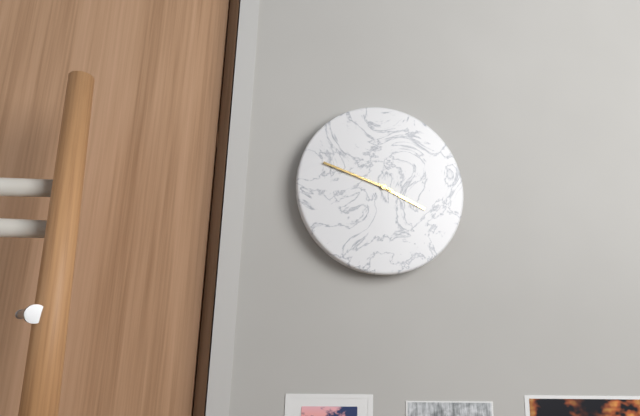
h=3 m=48
